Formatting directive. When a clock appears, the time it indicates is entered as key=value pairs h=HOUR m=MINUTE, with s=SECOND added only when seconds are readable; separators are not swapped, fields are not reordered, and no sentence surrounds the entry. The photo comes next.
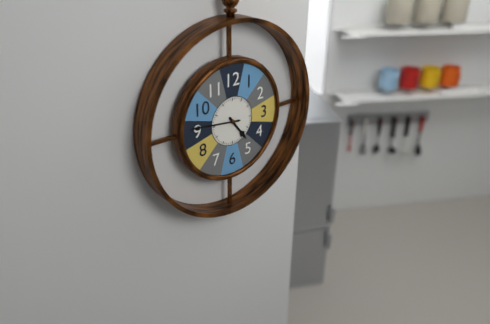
h=4 m=46
